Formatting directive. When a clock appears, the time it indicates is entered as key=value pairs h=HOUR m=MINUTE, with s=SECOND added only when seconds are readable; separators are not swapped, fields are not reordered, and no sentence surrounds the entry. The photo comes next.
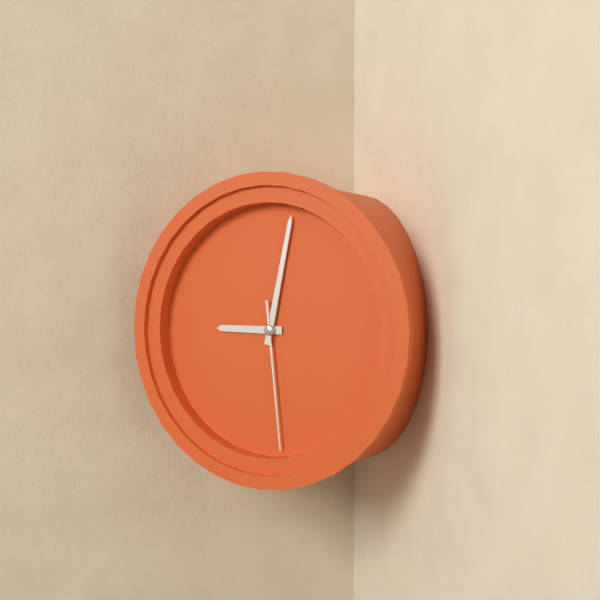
h=9 m=2 s=29
